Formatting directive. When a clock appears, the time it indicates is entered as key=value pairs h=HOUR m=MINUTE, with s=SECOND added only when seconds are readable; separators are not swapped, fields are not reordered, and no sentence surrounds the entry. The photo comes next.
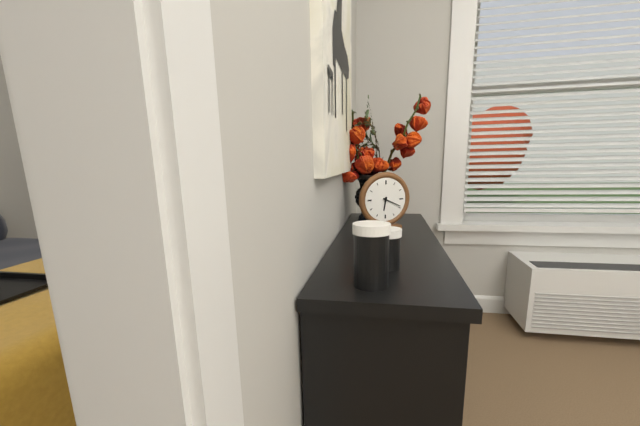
h=6 m=19
